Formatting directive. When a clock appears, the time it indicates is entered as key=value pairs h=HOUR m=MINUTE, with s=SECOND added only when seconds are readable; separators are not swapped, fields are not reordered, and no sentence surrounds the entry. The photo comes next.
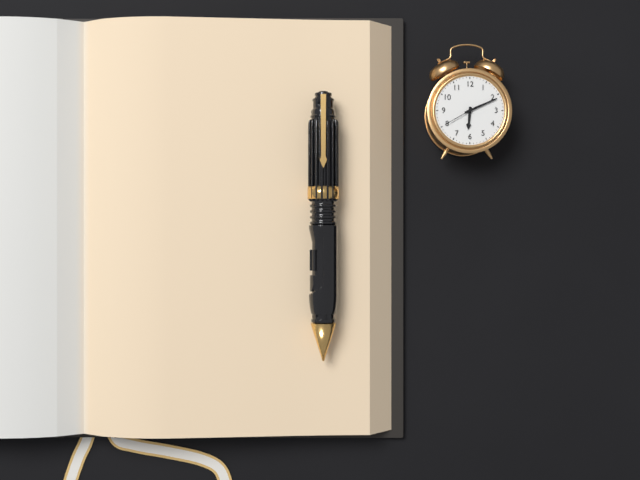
h=6 m=11
